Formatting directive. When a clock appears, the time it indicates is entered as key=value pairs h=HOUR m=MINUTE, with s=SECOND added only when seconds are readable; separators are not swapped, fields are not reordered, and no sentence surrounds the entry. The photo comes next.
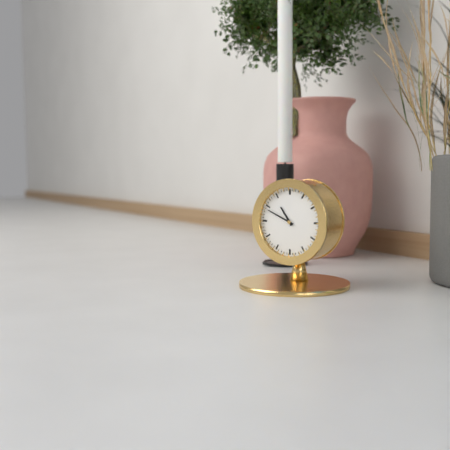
h=10 m=49
